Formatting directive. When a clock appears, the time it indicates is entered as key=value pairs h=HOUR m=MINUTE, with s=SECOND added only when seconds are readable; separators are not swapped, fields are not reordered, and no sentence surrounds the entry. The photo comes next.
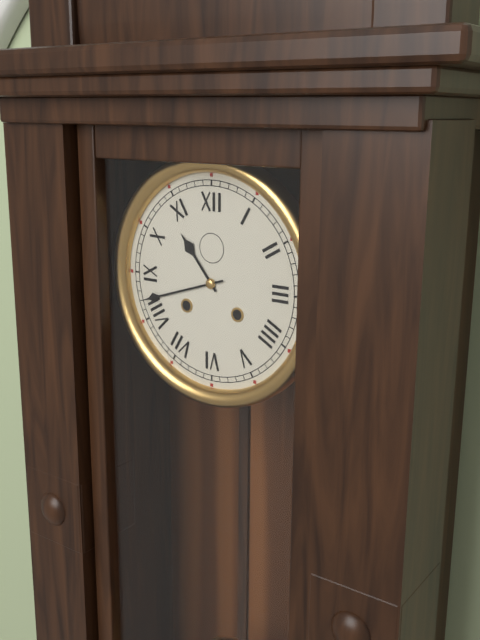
h=10 m=42
